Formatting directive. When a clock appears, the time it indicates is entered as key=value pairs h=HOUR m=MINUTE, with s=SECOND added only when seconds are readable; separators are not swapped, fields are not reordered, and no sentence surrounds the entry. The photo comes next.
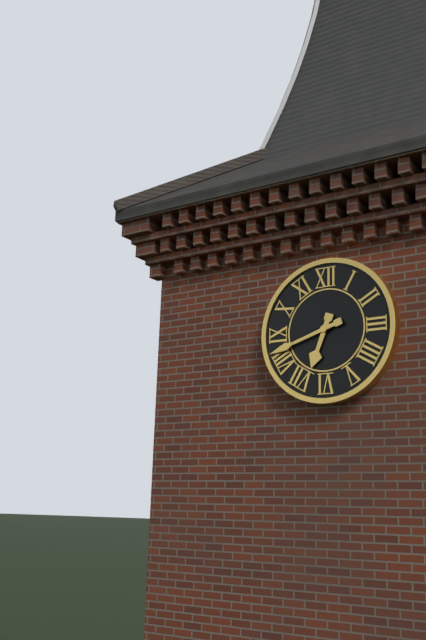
h=6 m=42
